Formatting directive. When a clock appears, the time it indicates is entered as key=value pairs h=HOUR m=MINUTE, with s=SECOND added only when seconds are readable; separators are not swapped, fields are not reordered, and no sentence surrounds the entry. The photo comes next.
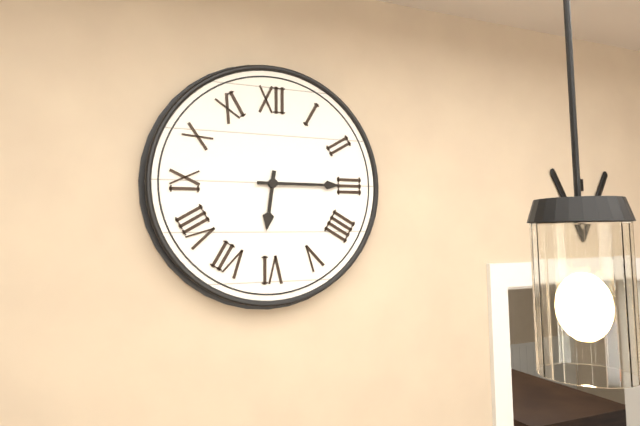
h=6 m=15
